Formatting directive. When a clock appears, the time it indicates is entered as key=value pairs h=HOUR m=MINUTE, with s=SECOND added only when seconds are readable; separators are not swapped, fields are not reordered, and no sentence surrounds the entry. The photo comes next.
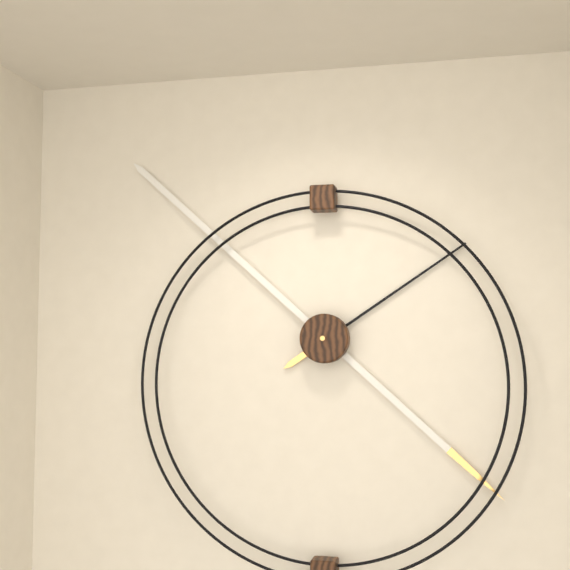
h=1 m=52
